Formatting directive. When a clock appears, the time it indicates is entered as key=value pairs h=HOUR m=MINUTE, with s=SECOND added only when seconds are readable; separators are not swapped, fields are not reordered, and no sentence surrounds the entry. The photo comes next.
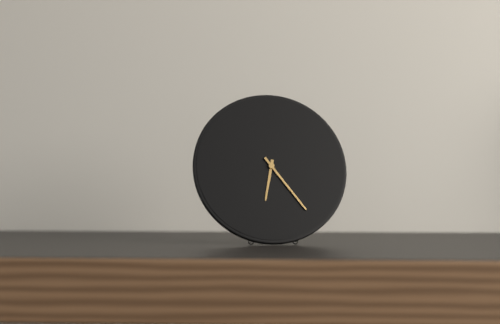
h=6 m=24
